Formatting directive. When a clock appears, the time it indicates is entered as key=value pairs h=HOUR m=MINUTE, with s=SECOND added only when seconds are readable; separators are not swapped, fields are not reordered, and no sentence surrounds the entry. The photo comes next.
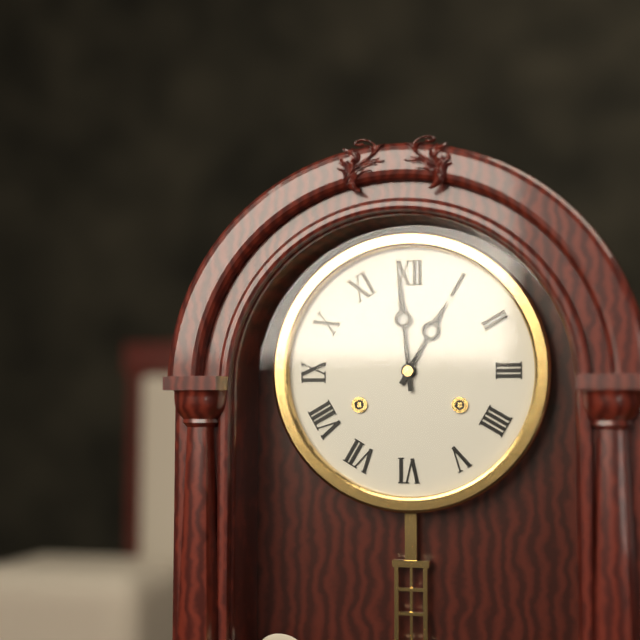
h=12 m=59
